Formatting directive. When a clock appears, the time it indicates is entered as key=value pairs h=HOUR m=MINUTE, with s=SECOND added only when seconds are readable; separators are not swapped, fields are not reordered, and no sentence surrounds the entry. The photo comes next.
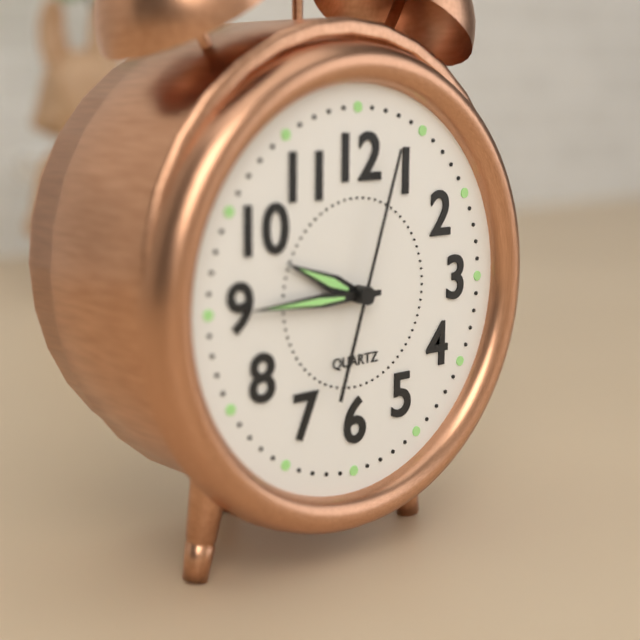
h=9 m=45 s=3
